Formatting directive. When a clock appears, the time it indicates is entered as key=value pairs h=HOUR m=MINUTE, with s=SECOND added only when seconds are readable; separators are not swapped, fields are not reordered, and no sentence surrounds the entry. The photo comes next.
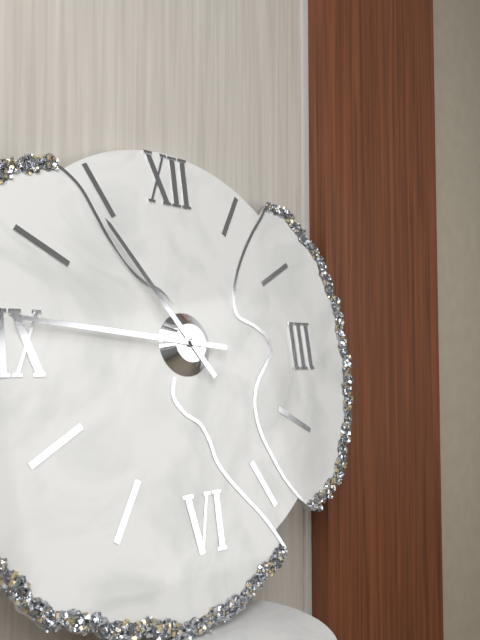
h=10 m=46
